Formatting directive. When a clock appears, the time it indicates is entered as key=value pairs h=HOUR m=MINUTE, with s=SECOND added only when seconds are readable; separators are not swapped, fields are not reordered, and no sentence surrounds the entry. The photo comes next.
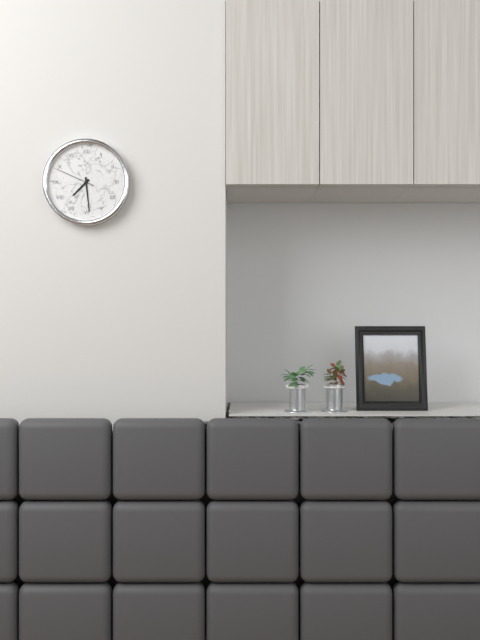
h=7 m=29
